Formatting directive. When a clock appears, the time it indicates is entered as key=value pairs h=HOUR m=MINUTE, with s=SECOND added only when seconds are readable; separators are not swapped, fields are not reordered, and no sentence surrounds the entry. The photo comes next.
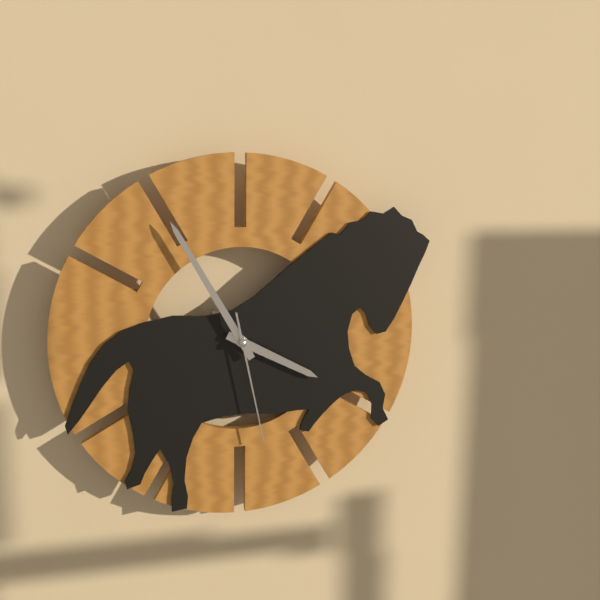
h=3 m=55 s=28
